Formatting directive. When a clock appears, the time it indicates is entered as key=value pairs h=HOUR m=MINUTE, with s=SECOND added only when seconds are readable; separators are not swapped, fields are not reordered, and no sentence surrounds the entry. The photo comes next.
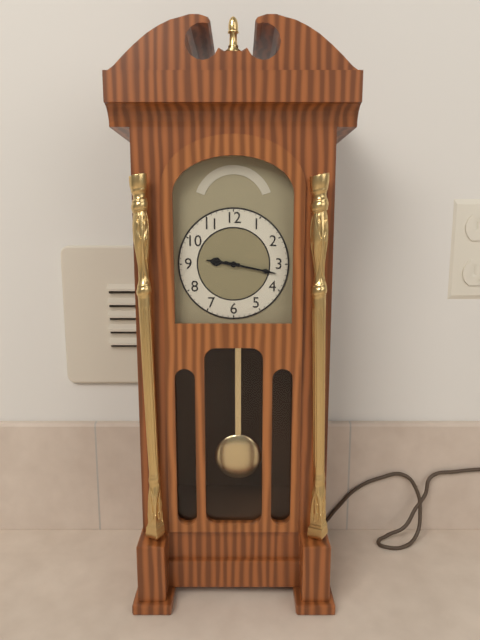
h=9 m=17
